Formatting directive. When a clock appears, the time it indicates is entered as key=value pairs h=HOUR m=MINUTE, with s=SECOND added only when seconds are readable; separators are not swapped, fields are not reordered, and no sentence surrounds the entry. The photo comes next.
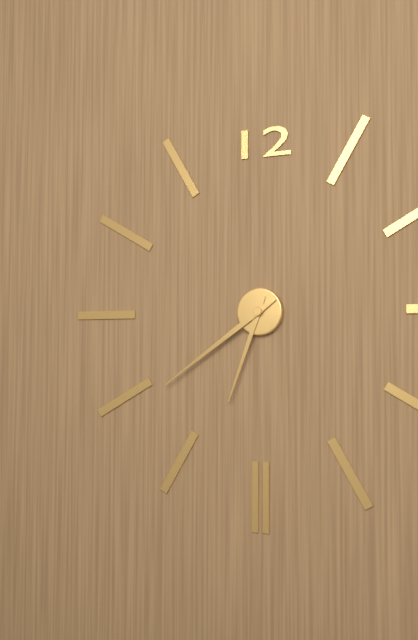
h=6 m=39
